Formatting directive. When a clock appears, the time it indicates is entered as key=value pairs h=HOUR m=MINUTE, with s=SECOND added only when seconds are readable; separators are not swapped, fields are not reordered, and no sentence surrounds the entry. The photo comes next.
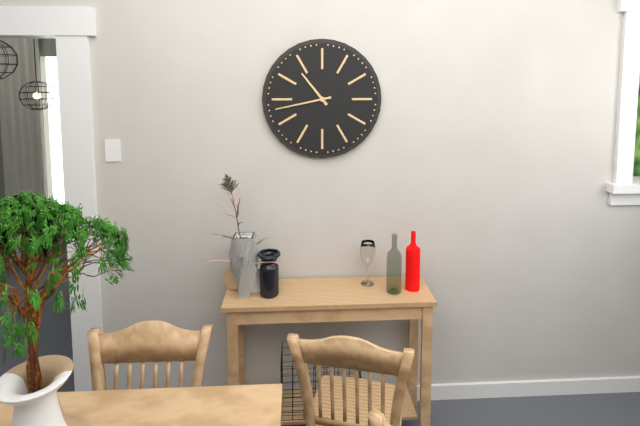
h=10 m=43
